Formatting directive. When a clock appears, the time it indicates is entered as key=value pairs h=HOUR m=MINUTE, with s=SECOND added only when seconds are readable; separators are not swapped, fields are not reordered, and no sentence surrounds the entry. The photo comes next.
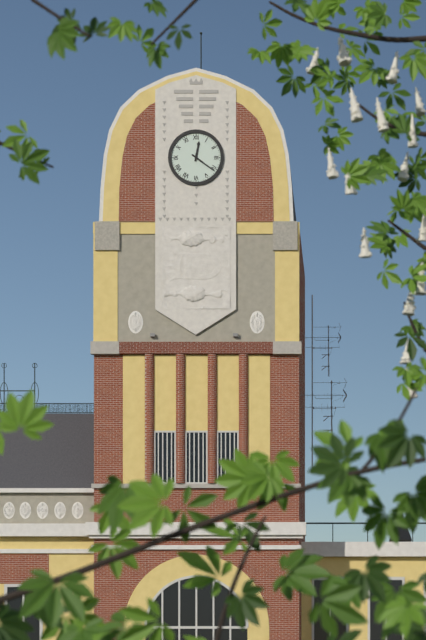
h=12 m=21
